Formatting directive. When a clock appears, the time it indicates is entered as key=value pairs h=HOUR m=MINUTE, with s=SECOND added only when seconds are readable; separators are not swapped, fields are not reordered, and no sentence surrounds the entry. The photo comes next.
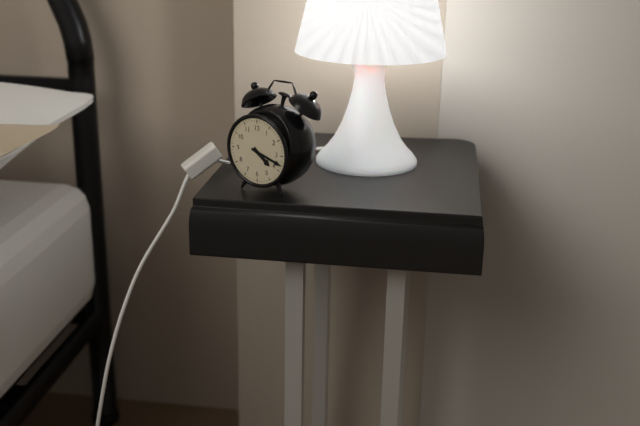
h=4 m=18
